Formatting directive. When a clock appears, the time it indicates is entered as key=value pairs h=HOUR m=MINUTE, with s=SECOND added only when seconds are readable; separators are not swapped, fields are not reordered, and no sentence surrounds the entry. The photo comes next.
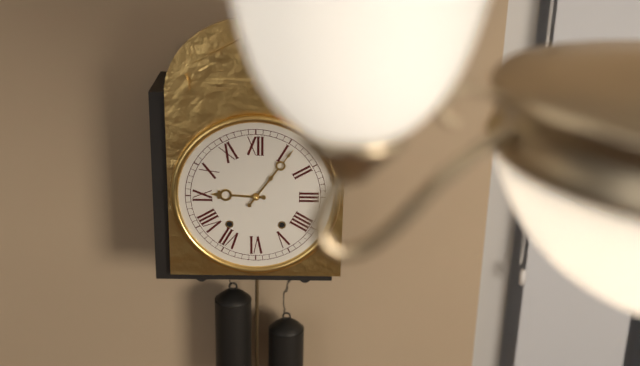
h=9 m=6
